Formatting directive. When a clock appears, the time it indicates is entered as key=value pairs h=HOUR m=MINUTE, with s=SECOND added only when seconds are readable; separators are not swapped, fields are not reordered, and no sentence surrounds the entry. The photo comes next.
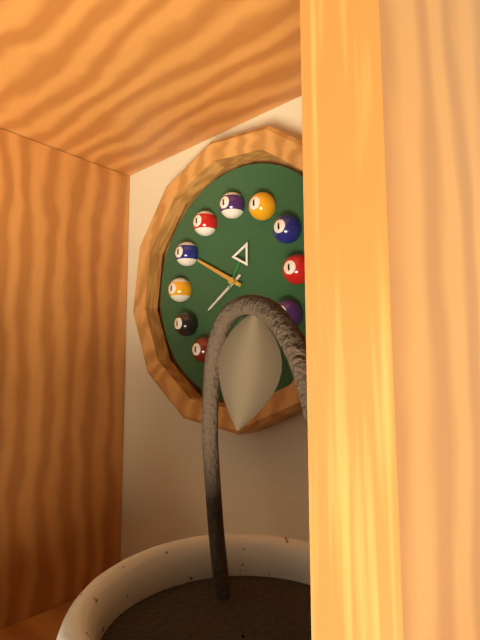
h=7 m=50 s=5
